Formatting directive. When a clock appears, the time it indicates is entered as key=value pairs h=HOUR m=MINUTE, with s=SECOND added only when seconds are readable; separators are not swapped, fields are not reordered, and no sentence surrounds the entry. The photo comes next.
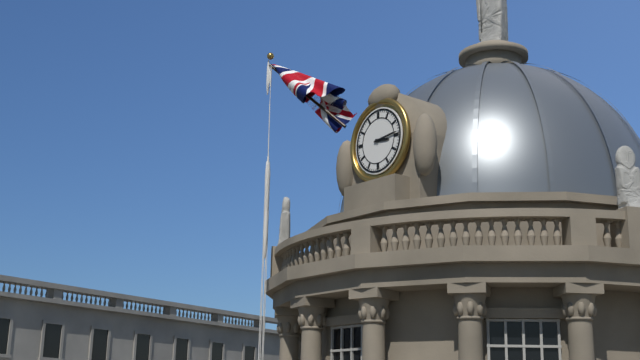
h=3 m=14
